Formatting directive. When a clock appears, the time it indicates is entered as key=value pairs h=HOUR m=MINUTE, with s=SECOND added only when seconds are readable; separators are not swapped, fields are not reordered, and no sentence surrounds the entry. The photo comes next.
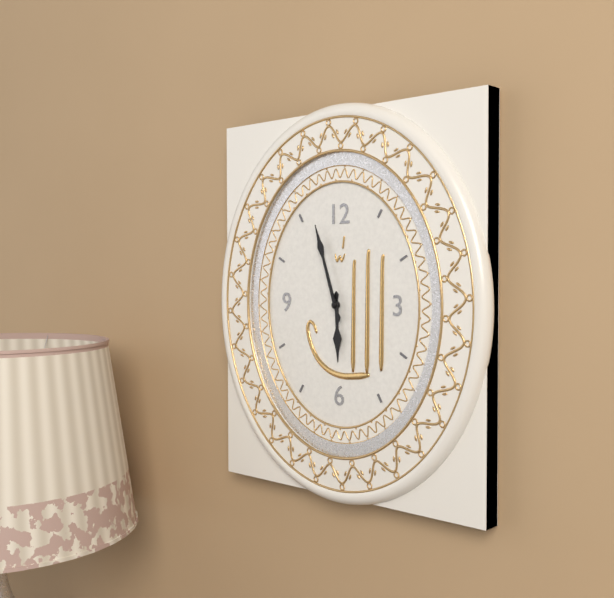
h=5 m=57
